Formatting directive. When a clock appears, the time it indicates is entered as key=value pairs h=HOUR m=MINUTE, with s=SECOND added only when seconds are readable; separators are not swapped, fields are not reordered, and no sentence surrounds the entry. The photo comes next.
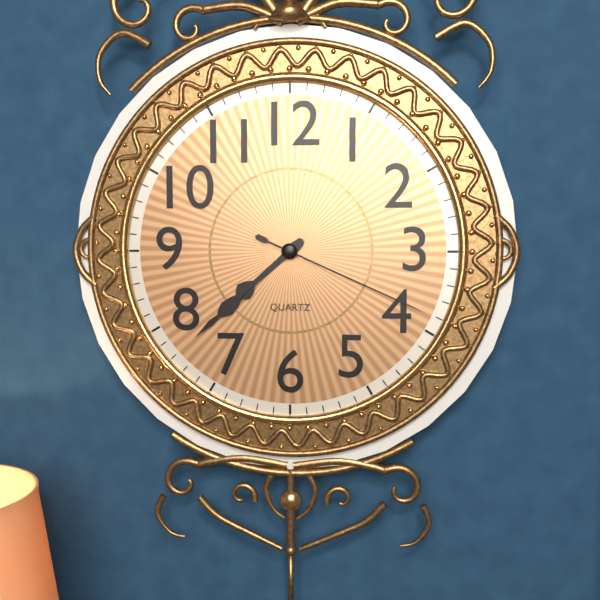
h=7 m=38 s=19
